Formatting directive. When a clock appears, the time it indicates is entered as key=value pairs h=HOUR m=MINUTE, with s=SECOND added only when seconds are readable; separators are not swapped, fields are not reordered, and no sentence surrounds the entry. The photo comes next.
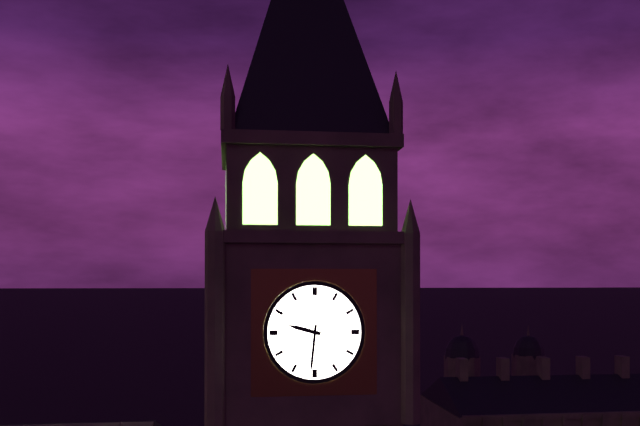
h=9 m=31
